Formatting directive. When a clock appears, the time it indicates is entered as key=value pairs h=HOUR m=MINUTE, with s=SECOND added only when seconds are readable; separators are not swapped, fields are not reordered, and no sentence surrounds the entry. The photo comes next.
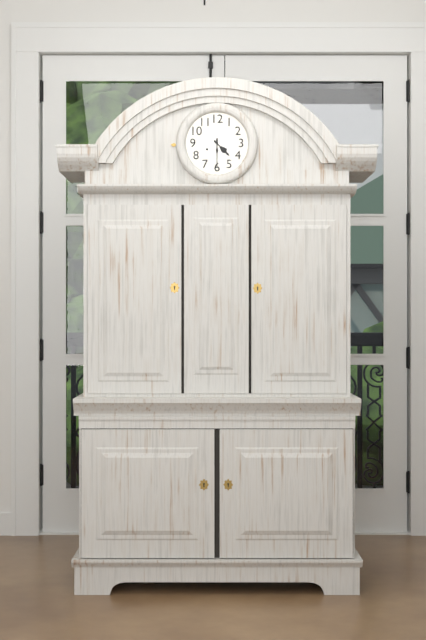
h=4 m=30
